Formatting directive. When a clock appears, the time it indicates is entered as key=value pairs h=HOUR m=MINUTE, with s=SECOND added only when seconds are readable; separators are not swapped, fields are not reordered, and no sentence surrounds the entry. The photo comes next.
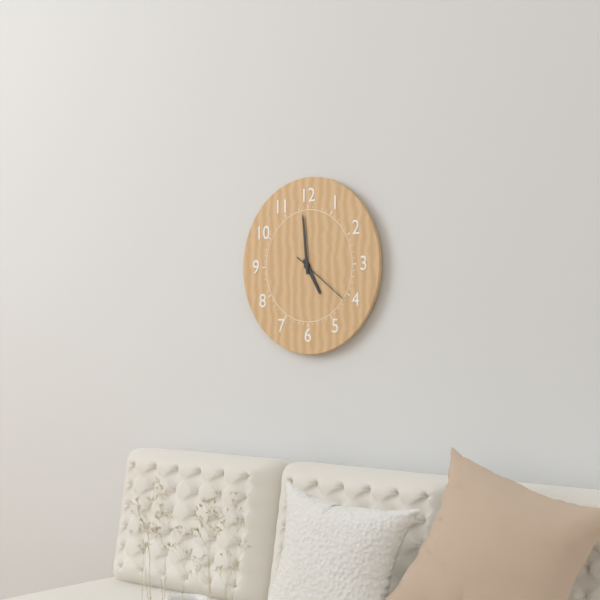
h=4 m=59 s=21
